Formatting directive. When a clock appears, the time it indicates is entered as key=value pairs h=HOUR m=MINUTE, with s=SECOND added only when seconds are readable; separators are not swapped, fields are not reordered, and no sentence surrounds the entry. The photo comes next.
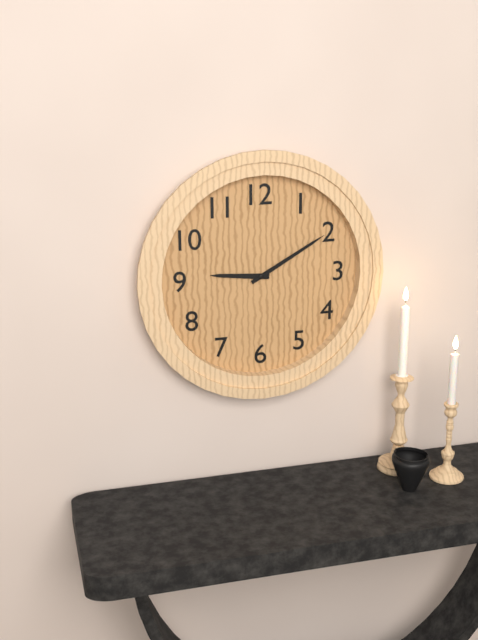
h=9 m=10
